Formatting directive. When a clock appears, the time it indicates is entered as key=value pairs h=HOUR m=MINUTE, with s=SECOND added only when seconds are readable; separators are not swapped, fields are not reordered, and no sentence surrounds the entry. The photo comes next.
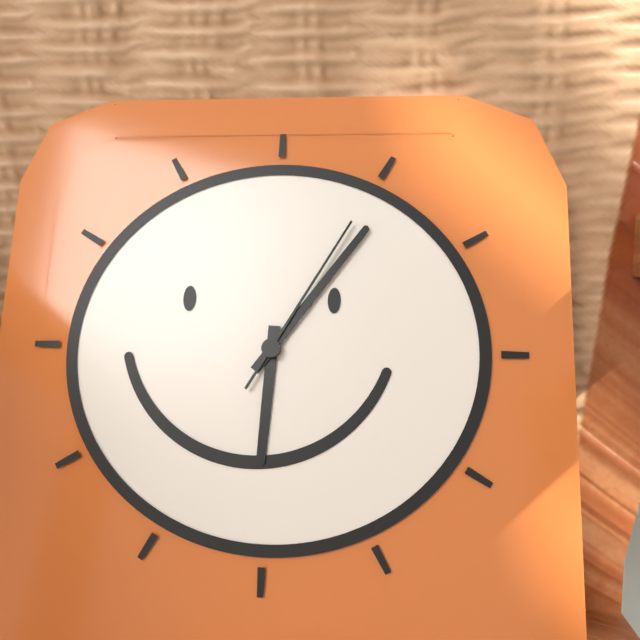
h=6 m=6 s=5
